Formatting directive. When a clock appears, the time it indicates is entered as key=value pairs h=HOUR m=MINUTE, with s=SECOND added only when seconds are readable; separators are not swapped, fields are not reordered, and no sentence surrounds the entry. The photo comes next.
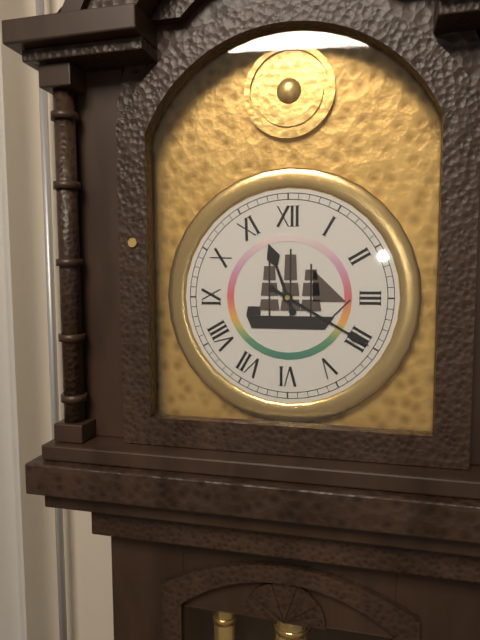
h=11 m=20
